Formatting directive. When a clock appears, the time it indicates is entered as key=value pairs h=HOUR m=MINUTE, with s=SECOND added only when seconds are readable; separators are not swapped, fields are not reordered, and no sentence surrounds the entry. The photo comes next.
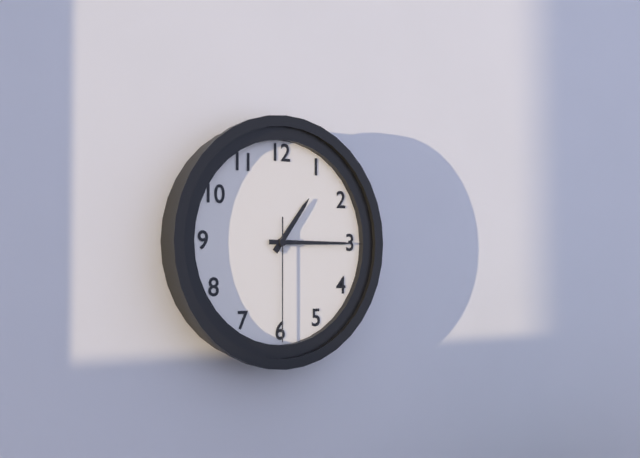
h=1 m=15 s=30
